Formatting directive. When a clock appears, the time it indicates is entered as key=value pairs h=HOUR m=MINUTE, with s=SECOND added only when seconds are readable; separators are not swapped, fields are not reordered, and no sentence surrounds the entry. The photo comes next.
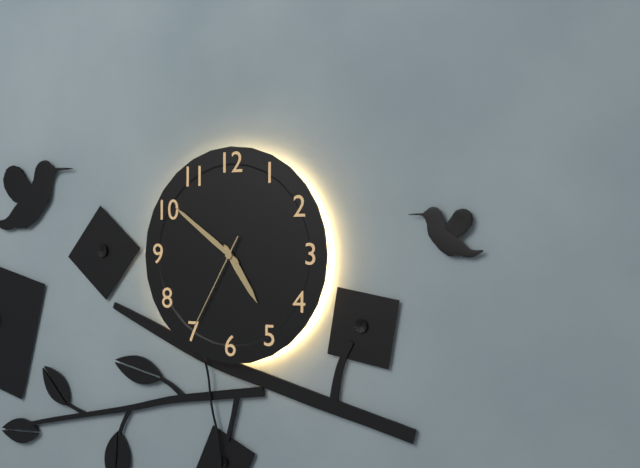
h=4 m=51 s=35
